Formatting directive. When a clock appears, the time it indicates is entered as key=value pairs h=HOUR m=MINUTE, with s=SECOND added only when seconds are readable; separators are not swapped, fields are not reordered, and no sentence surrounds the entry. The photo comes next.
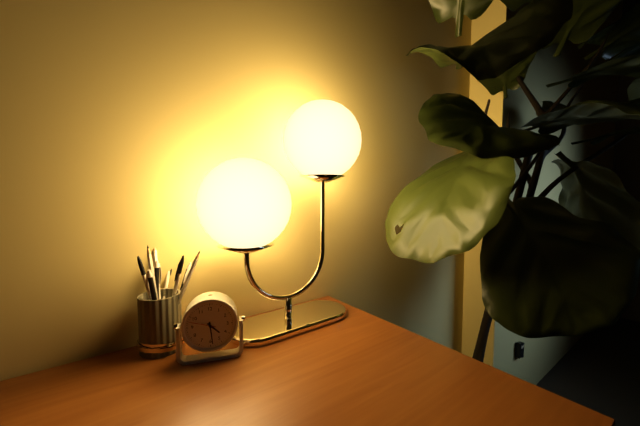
h=4 m=29
